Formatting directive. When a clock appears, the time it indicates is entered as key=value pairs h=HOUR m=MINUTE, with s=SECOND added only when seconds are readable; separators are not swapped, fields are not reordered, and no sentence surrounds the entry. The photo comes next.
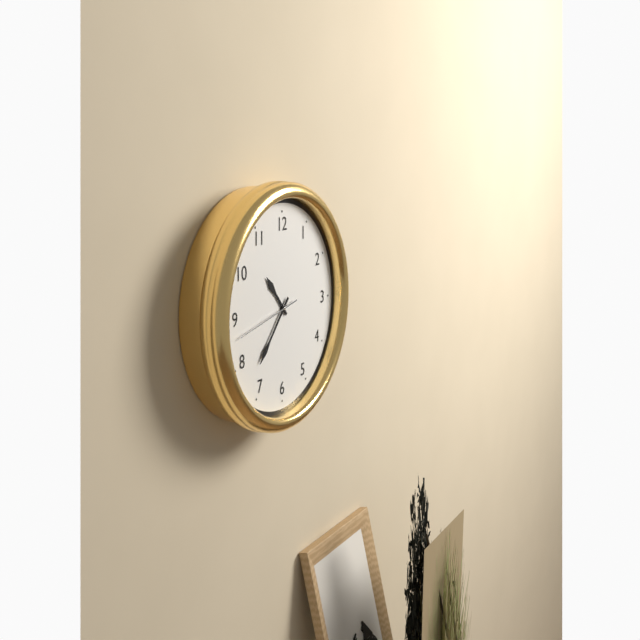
h=10 m=37 s=43
